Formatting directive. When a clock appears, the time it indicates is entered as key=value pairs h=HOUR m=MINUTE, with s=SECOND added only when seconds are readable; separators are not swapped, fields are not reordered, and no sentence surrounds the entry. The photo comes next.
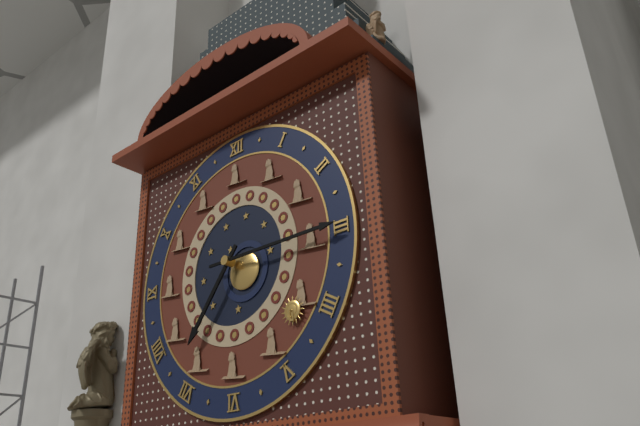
h=7 m=15
